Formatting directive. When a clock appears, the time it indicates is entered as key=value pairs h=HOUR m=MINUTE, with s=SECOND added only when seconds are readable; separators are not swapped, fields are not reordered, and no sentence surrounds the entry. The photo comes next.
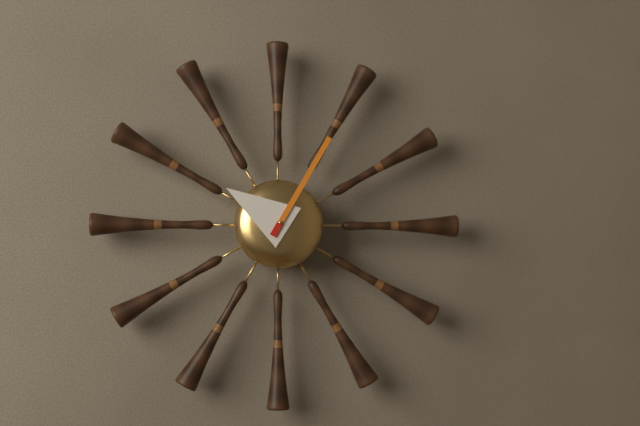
h=10 m=5
